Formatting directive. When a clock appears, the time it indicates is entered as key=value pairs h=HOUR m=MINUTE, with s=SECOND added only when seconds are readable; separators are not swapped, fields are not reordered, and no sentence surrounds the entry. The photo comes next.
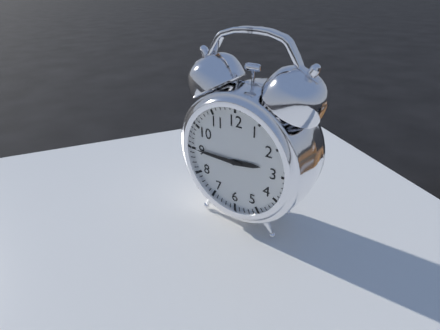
h=2 m=45
